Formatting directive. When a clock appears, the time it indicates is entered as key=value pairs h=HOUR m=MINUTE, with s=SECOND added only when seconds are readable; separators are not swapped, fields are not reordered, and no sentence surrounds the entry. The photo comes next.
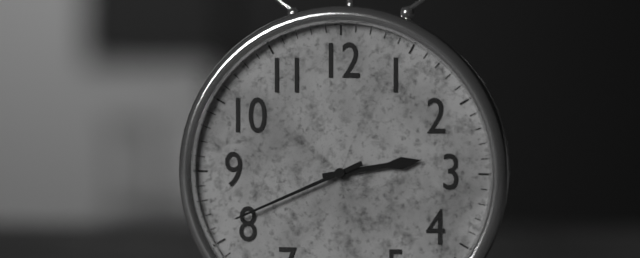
h=2 m=41
